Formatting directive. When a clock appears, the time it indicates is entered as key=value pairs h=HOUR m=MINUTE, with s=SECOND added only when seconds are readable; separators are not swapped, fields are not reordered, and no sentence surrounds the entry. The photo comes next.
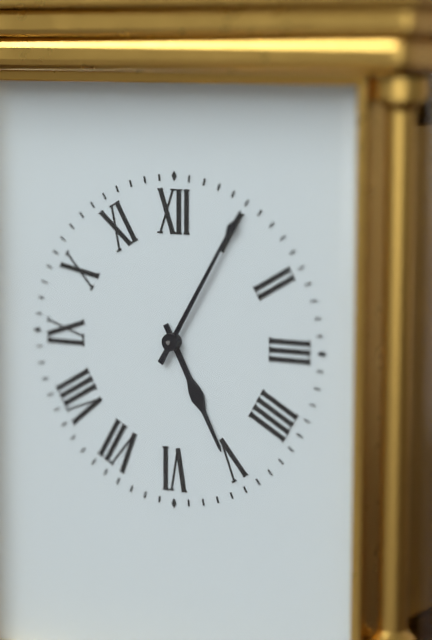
h=5 m=5
